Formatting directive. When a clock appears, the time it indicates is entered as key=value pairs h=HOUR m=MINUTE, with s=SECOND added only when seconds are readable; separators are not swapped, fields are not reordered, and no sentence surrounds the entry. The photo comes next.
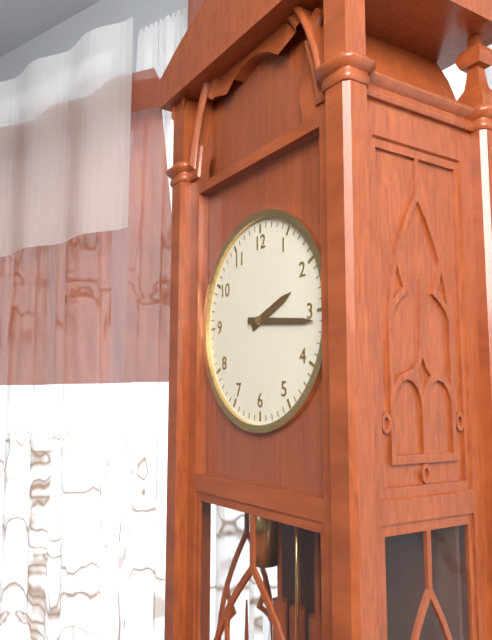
h=2 m=16
